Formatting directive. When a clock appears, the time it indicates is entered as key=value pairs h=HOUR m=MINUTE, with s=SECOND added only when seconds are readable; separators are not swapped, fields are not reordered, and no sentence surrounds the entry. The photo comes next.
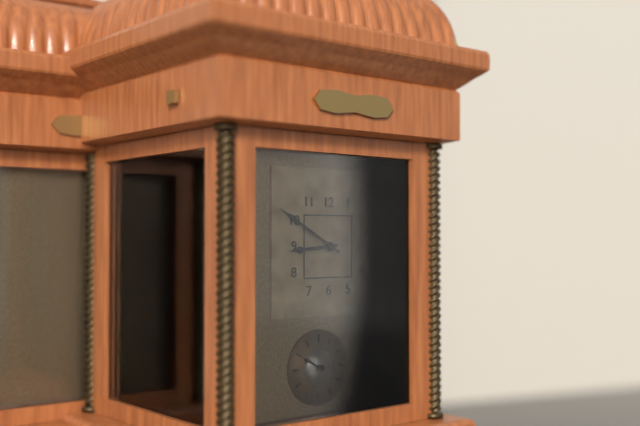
h=8 m=50
